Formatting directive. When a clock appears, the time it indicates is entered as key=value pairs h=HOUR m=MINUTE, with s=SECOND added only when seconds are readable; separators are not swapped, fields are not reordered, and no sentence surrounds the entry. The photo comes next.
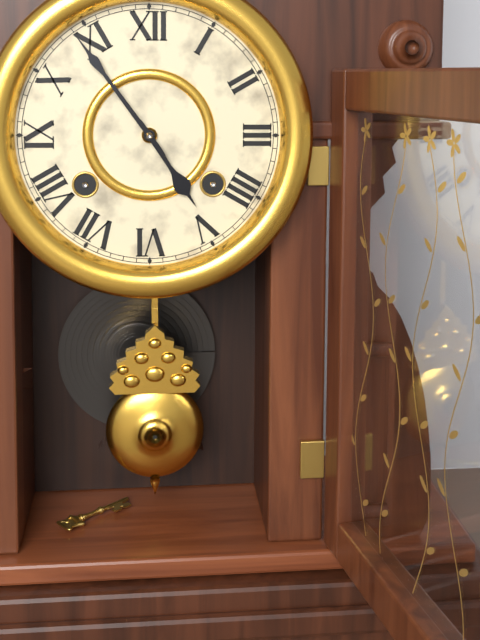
h=4 m=54
